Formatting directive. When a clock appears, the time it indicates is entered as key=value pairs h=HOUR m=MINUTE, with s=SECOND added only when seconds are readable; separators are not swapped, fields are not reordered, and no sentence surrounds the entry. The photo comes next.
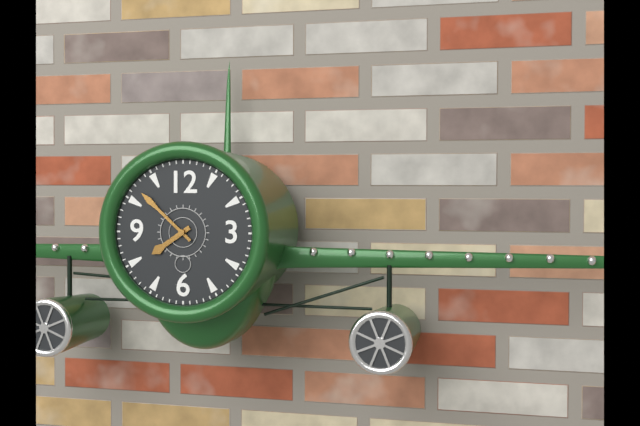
h=7 m=52
